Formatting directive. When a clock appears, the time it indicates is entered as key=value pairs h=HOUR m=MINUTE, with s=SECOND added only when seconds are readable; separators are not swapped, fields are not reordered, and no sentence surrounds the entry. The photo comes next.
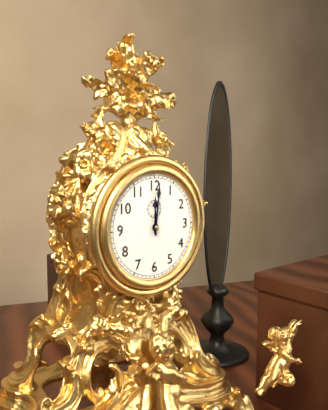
h=12 m=1
